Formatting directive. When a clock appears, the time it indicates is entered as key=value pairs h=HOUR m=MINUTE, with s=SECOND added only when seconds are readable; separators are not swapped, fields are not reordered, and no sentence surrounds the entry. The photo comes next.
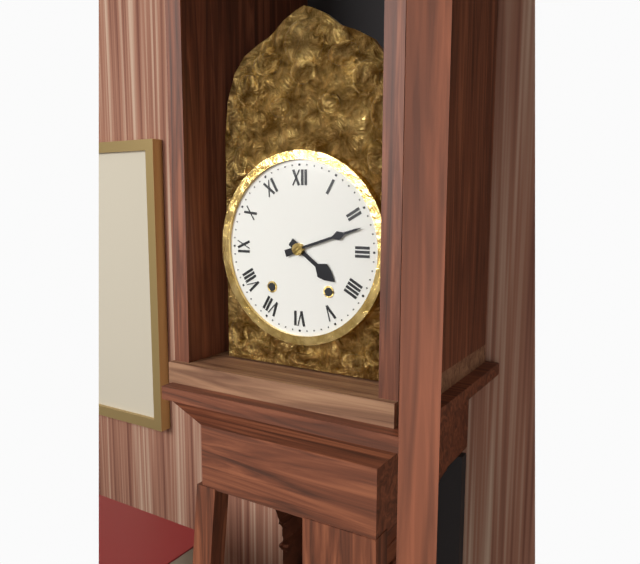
h=4 m=12
